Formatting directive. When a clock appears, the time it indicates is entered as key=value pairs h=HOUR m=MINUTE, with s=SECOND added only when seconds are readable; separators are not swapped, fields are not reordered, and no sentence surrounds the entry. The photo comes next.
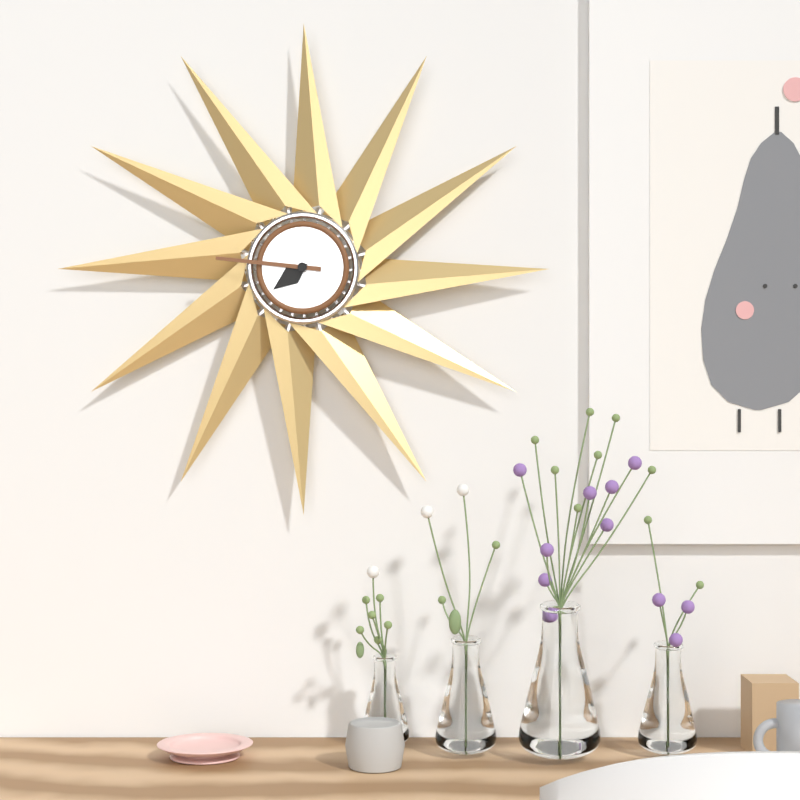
h=7 m=46
